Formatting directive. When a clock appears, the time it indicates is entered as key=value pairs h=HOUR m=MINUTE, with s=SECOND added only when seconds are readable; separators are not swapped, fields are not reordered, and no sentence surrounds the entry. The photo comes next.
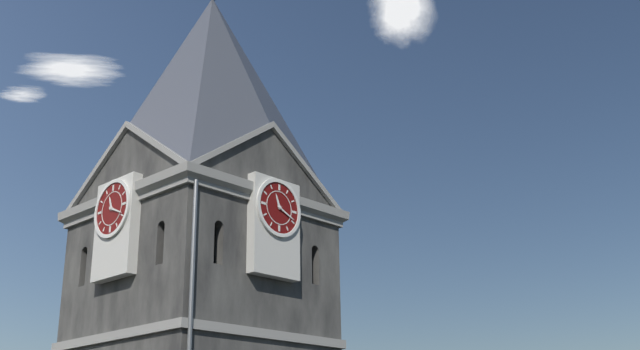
h=11 m=19
